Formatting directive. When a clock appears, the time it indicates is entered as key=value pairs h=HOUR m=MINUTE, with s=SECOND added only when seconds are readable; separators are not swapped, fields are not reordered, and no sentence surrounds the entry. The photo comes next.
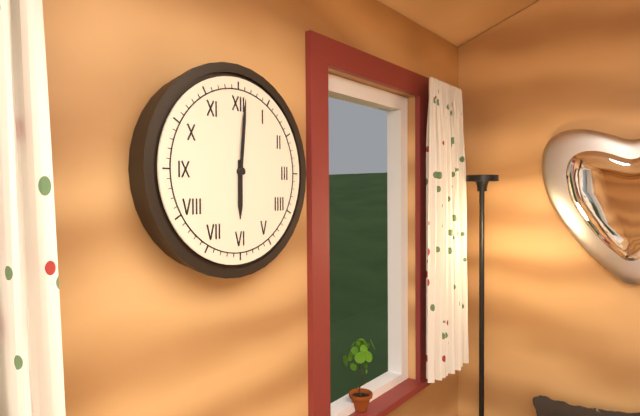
h=6 m=1
